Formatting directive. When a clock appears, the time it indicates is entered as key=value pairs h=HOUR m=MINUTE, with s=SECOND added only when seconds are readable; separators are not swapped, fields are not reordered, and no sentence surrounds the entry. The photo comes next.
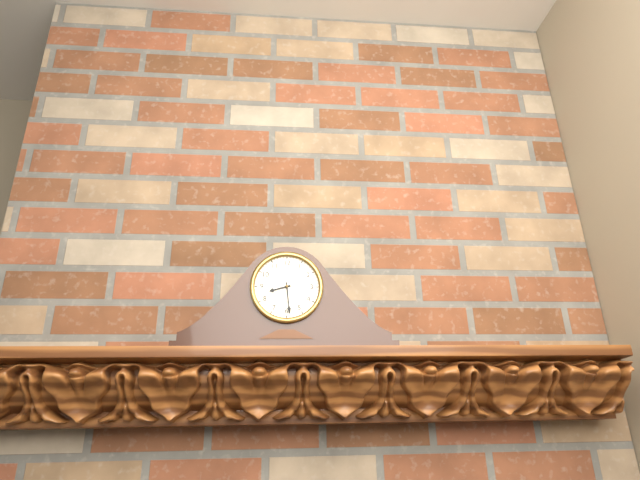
h=8 m=29
